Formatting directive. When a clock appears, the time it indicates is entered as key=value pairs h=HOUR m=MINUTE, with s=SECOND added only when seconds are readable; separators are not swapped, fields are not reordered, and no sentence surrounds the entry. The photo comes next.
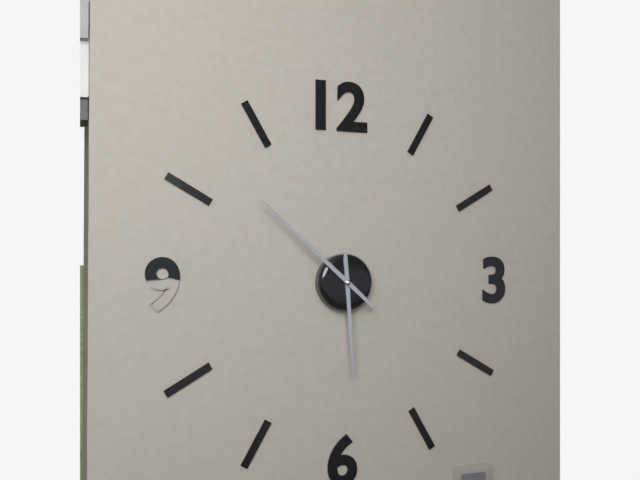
h=5 m=52
